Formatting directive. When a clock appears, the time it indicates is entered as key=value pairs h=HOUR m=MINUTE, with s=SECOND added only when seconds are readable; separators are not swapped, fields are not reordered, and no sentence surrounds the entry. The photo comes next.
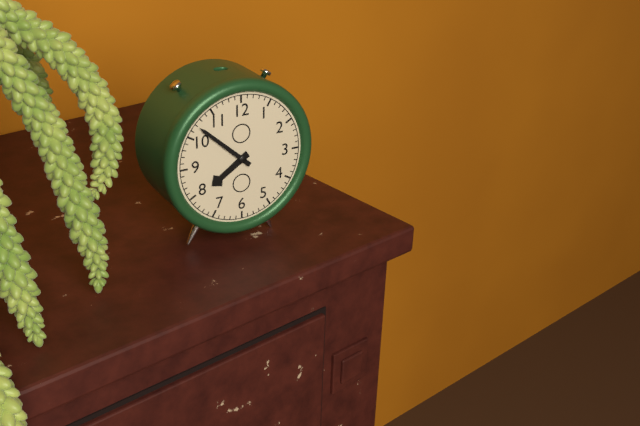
h=7 m=52
